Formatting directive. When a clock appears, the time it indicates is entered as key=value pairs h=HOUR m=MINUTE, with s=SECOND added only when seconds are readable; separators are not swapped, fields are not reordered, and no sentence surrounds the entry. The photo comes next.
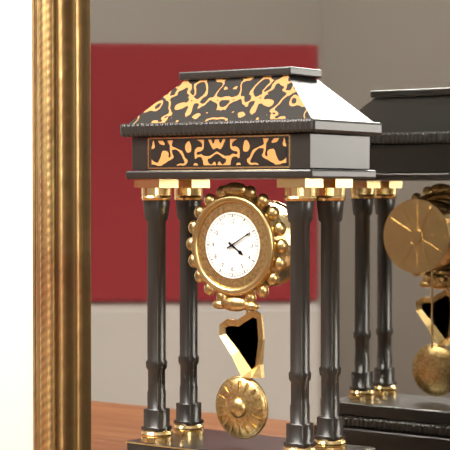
h=4 m=10
